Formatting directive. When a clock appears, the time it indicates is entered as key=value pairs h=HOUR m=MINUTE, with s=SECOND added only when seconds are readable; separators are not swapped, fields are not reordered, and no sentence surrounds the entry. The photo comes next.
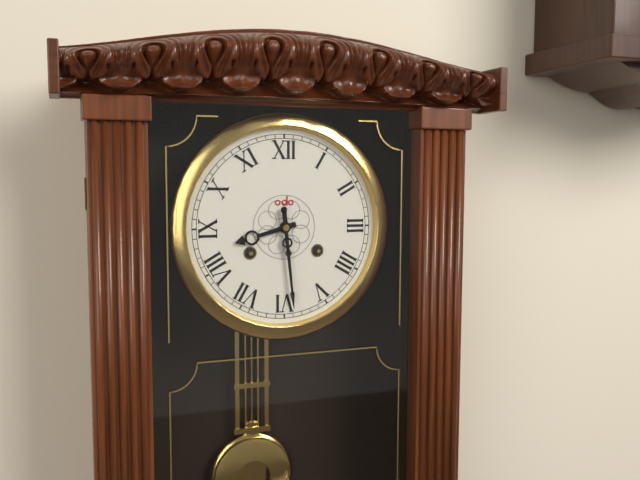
h=8 m=29
